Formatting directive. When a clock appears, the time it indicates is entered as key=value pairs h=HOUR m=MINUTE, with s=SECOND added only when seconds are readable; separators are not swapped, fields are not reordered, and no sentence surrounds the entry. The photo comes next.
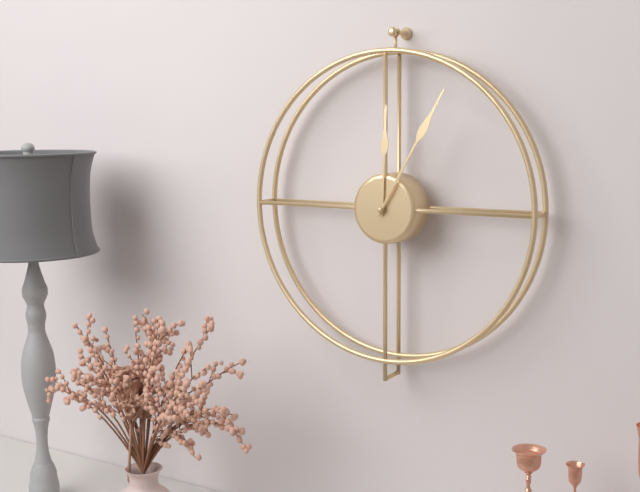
h=12 m=5
